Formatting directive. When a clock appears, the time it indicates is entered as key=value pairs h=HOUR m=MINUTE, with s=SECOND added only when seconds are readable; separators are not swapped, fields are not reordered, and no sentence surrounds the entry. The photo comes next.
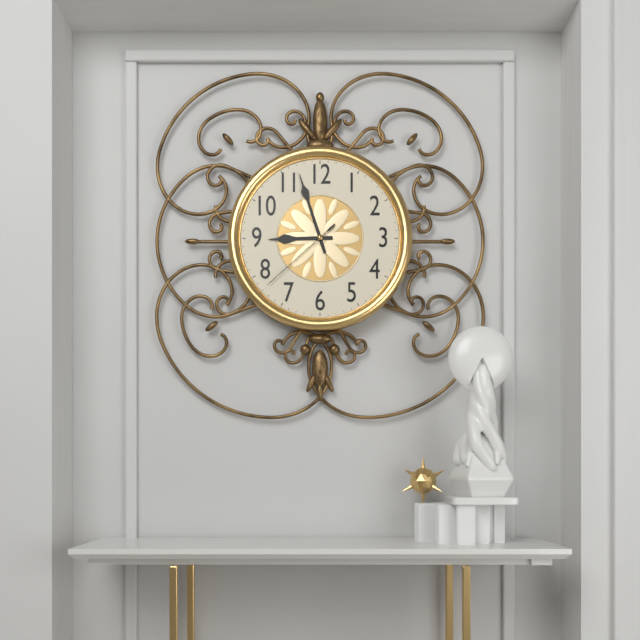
h=8 m=57 s=38
